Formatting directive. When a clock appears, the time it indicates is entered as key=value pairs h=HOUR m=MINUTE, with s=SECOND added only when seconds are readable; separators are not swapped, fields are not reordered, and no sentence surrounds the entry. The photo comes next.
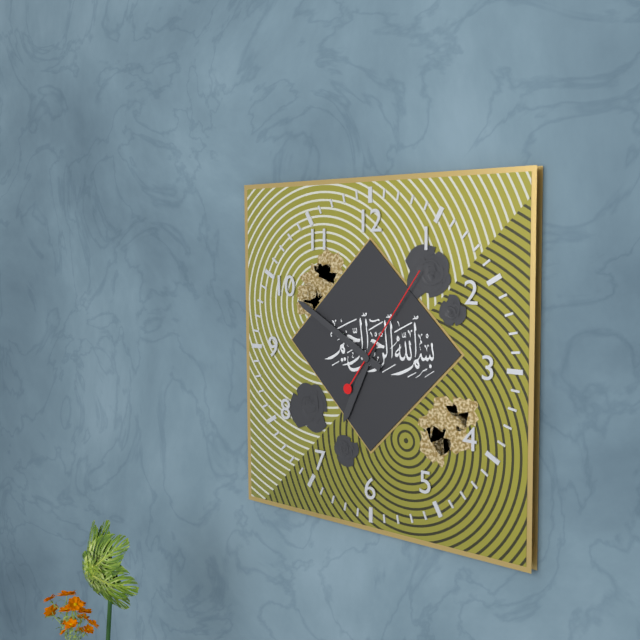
h=6 m=50 s=6
